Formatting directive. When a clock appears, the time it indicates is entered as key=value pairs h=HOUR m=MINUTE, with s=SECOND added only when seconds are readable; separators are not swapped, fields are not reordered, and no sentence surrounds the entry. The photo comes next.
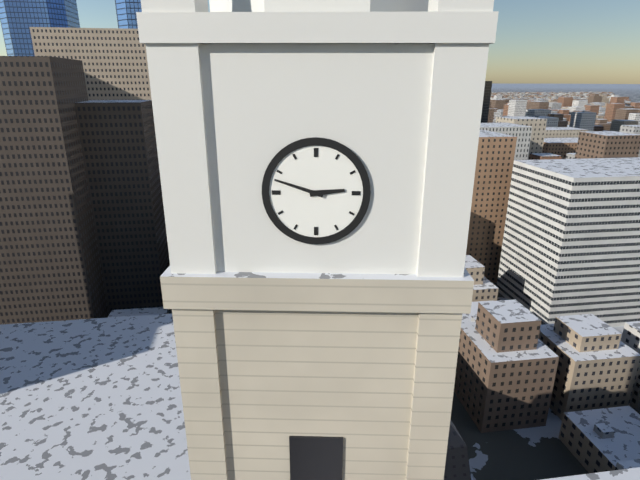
h=2 m=48
